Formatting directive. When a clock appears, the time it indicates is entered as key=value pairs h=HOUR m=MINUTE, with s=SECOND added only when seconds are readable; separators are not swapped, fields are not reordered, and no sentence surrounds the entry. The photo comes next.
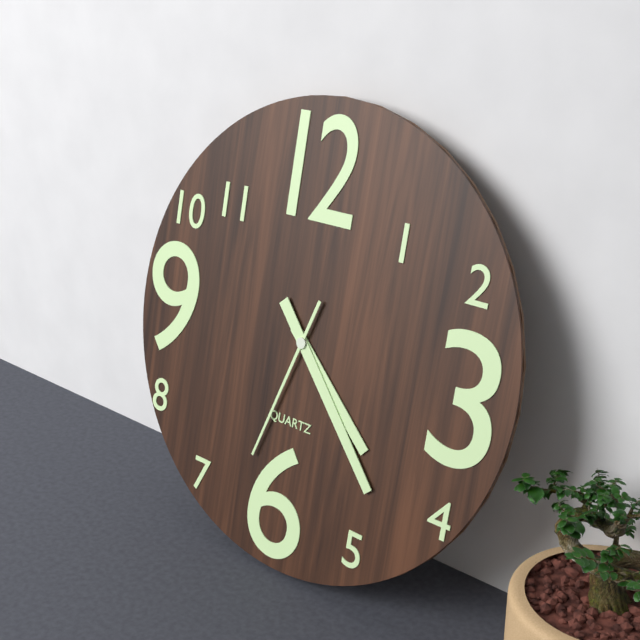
h=4 m=23 s=33
